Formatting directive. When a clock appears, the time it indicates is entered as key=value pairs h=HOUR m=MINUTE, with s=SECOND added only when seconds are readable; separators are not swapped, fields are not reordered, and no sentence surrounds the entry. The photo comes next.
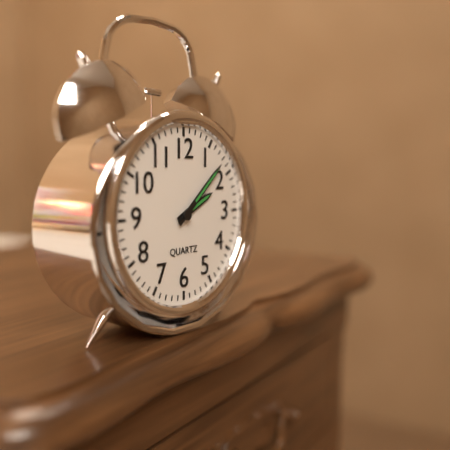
h=2 m=8
